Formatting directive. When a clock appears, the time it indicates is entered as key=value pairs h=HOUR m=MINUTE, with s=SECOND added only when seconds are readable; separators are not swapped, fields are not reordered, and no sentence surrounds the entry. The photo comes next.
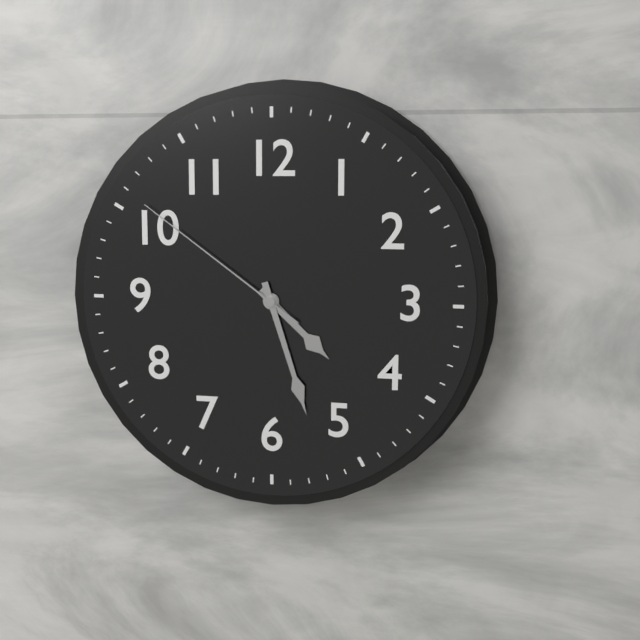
h=4 m=27 s=51
